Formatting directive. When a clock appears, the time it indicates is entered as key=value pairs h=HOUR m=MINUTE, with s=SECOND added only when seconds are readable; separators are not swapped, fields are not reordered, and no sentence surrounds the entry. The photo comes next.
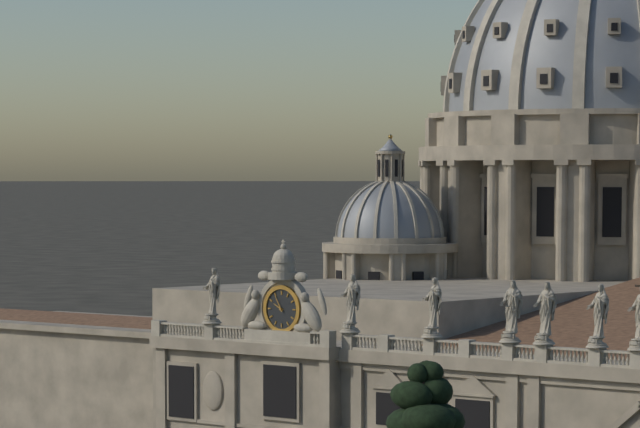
h=9 m=55
